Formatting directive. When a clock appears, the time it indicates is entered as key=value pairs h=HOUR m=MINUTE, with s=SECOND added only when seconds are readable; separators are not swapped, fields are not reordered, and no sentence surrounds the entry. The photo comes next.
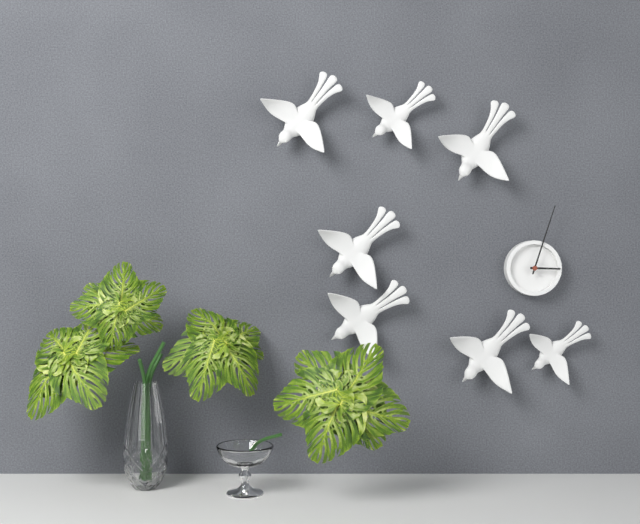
h=3 m=3
